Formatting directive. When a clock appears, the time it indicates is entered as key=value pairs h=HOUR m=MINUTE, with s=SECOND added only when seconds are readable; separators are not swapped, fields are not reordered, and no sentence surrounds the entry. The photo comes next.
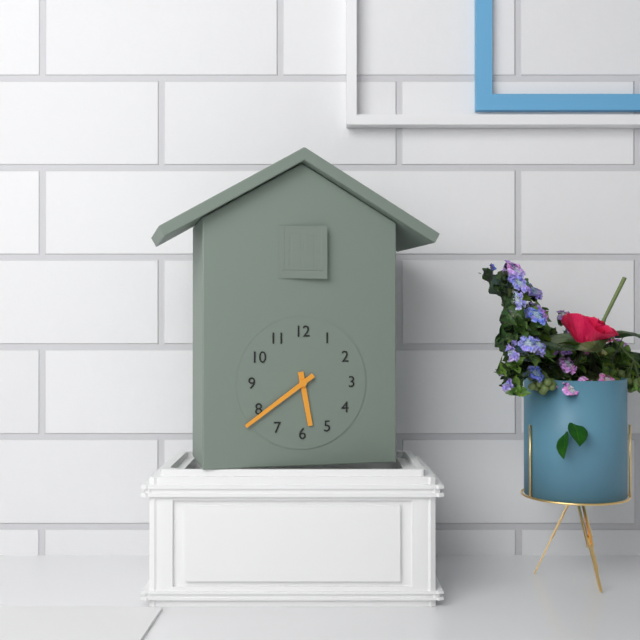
h=5 m=39
